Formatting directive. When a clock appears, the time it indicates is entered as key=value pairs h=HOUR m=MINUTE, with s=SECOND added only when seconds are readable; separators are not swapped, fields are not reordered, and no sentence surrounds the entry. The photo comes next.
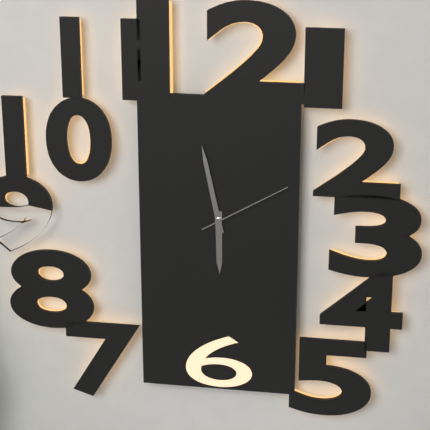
h=5 m=58 s=10
